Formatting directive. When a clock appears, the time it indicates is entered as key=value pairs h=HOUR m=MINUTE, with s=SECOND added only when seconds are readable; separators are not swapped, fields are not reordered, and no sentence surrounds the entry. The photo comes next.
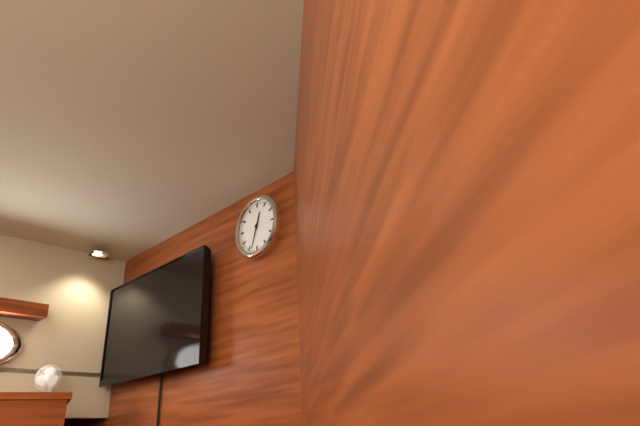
h=12 m=33
